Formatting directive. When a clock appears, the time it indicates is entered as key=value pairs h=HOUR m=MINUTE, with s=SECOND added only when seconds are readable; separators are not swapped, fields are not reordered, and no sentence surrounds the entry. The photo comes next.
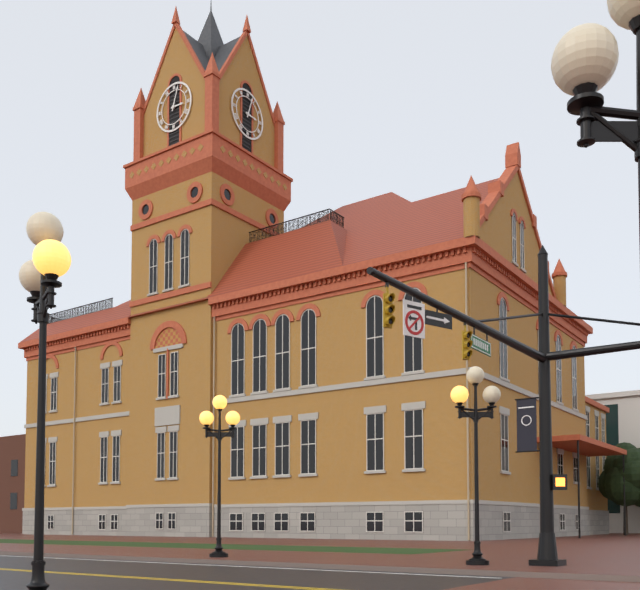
h=3 m=3
